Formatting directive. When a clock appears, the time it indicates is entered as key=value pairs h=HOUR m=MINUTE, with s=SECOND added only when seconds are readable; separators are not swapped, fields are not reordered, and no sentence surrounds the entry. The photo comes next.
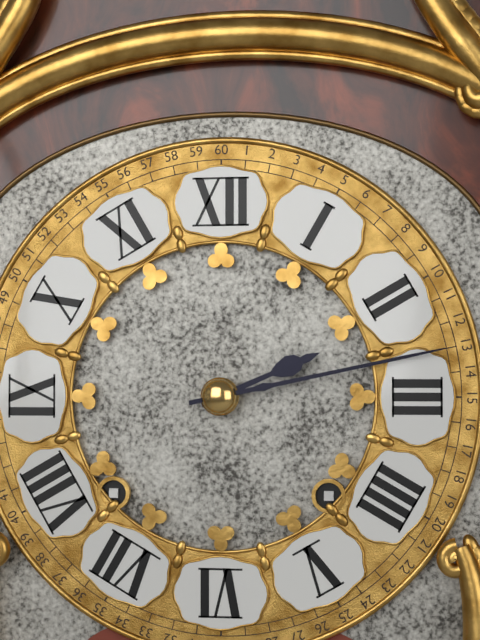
h=2 m=13
